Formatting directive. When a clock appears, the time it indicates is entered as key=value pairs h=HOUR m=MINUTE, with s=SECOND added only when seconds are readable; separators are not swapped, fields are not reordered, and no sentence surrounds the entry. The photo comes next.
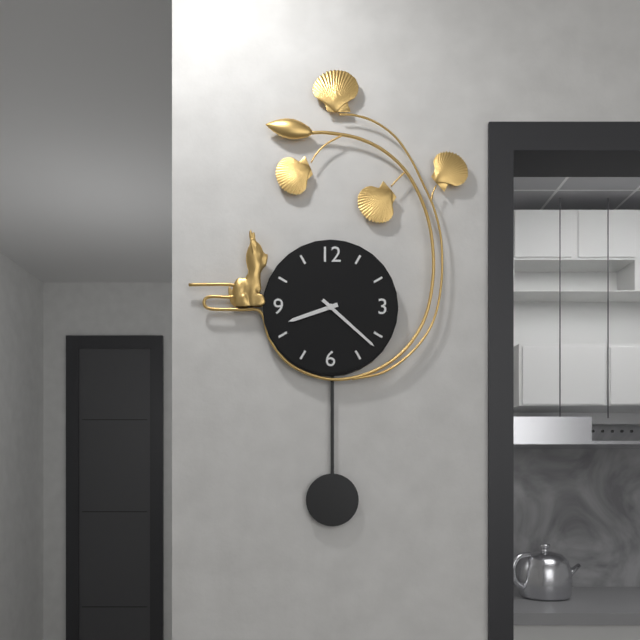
h=8 m=22
